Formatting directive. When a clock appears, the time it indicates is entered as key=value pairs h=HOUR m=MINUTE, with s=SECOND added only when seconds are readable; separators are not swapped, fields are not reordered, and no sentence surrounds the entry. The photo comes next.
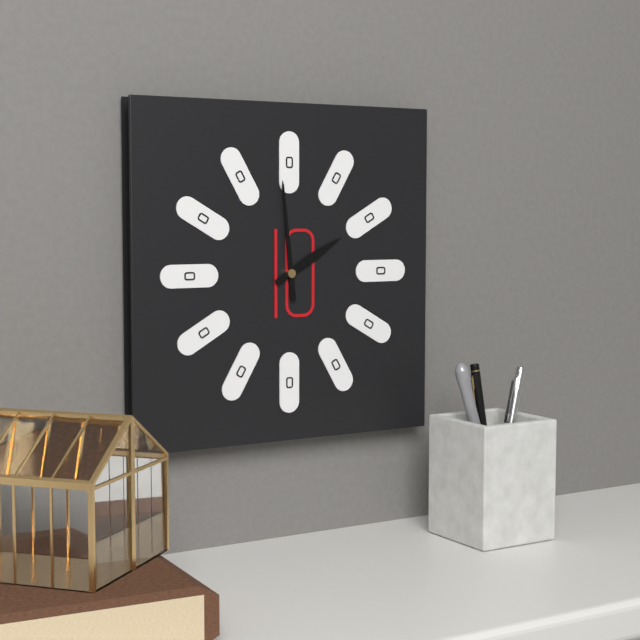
h=1 m=59
